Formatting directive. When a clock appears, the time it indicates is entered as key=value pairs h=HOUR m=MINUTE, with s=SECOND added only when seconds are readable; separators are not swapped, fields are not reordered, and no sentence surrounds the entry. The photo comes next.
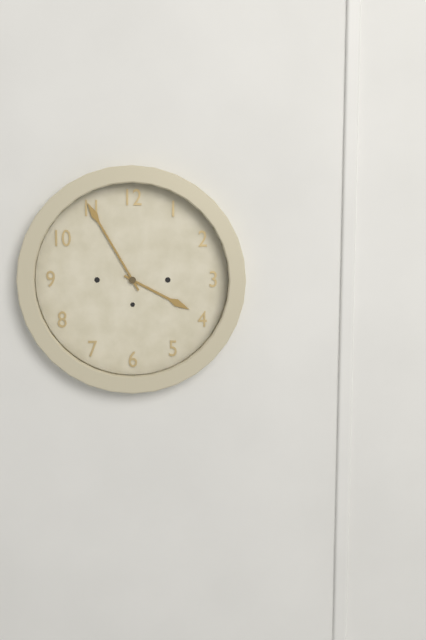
h=3 m=55
